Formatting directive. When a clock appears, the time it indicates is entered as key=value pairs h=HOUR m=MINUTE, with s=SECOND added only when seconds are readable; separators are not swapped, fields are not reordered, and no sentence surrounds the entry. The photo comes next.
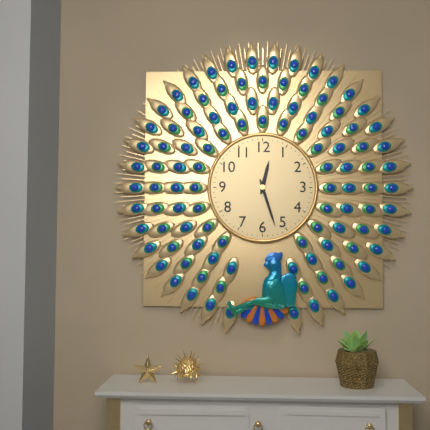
h=12 m=27
